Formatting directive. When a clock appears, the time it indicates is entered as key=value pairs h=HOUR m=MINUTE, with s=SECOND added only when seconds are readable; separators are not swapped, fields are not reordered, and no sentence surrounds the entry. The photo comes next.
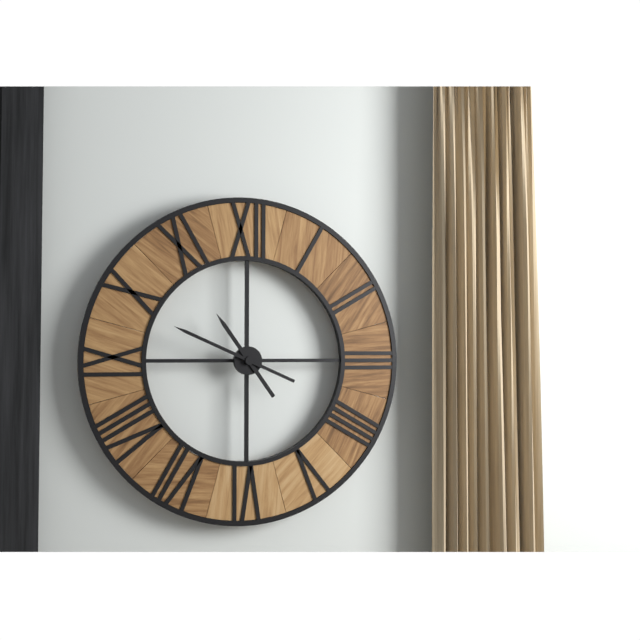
h=10 m=49
